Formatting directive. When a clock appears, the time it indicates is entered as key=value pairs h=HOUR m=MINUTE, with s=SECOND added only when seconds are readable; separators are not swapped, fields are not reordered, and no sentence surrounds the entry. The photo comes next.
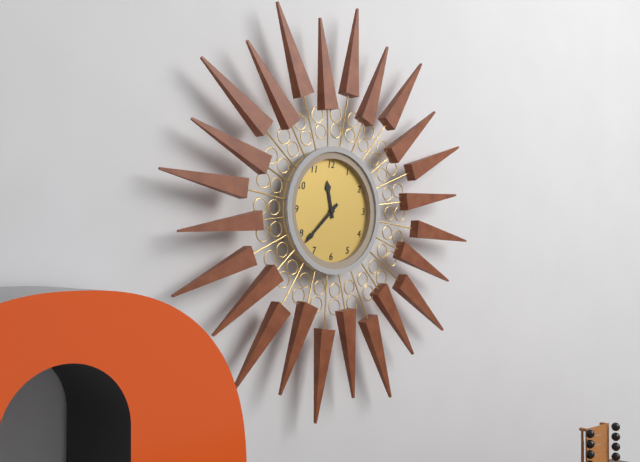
h=11 m=38
